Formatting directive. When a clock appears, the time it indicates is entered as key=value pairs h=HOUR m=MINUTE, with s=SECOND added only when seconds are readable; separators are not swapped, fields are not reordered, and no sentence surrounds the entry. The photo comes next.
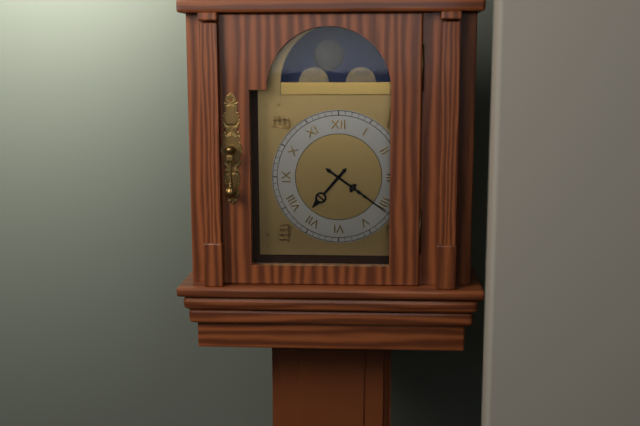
h=7 m=21
